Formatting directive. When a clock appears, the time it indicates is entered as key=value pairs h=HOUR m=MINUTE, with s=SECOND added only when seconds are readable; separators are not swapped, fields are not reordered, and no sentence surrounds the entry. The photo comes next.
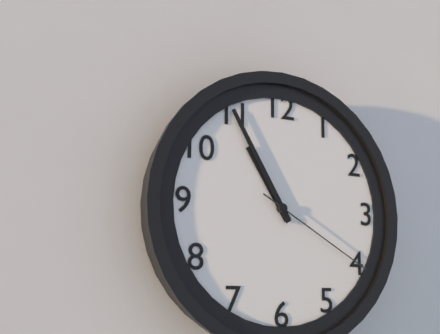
h=10 m=55 s=20
